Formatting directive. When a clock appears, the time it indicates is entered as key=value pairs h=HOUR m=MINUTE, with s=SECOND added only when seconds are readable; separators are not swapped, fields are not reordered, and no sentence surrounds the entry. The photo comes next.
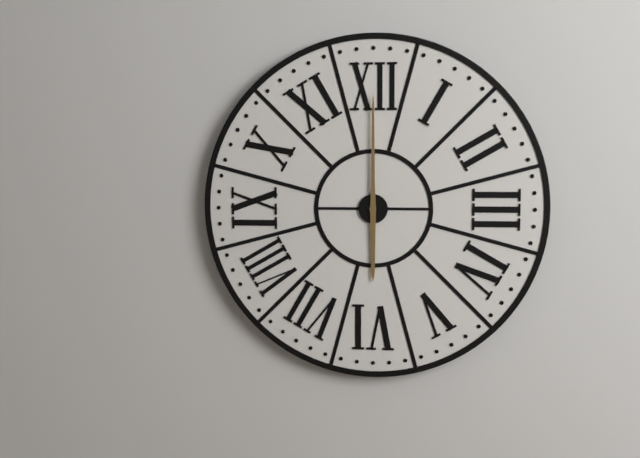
h=6 m=0
